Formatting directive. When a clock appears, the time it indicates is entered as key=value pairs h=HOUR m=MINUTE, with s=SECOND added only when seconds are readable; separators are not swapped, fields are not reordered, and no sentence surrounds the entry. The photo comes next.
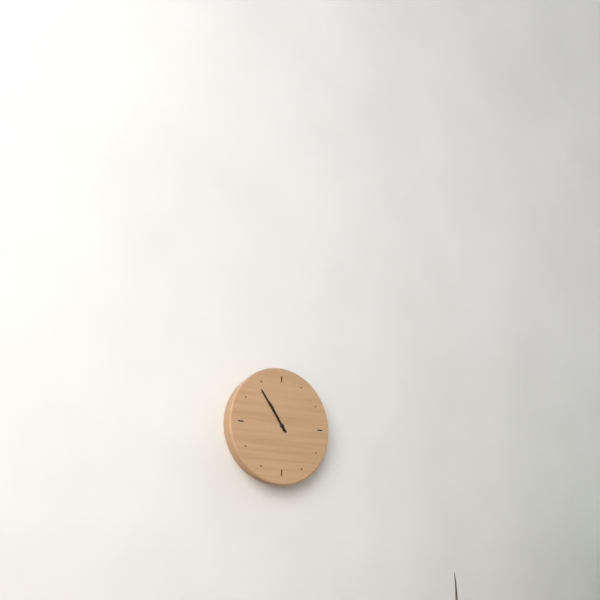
h=10 m=54
